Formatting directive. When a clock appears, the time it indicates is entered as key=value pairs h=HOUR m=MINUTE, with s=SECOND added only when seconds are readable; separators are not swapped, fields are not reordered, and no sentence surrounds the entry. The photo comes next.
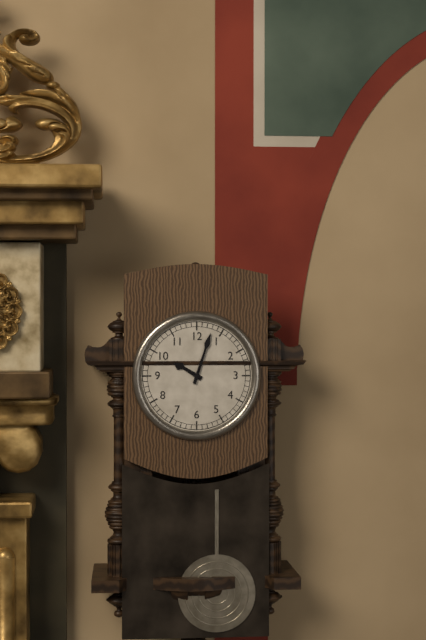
h=10 m=3
